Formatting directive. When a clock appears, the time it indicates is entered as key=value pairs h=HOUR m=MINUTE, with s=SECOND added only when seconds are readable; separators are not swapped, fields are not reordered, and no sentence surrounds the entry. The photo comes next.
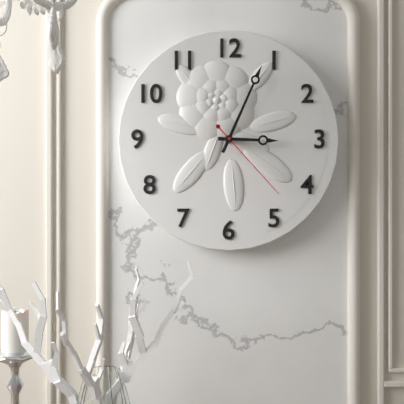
h=3 m=4 s=23
